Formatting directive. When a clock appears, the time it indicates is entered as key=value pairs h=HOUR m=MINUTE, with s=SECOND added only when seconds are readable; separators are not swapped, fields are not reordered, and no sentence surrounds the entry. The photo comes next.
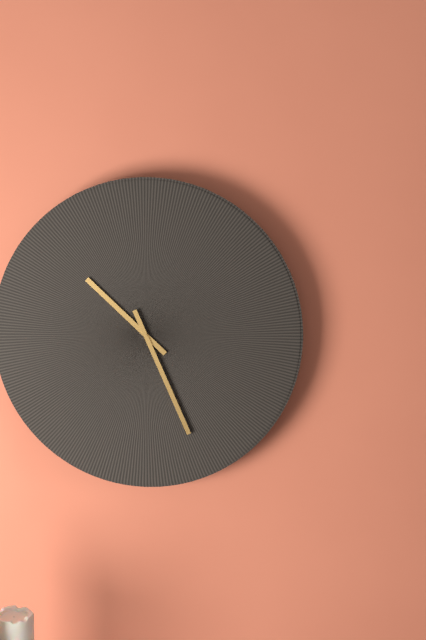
h=10 m=26
